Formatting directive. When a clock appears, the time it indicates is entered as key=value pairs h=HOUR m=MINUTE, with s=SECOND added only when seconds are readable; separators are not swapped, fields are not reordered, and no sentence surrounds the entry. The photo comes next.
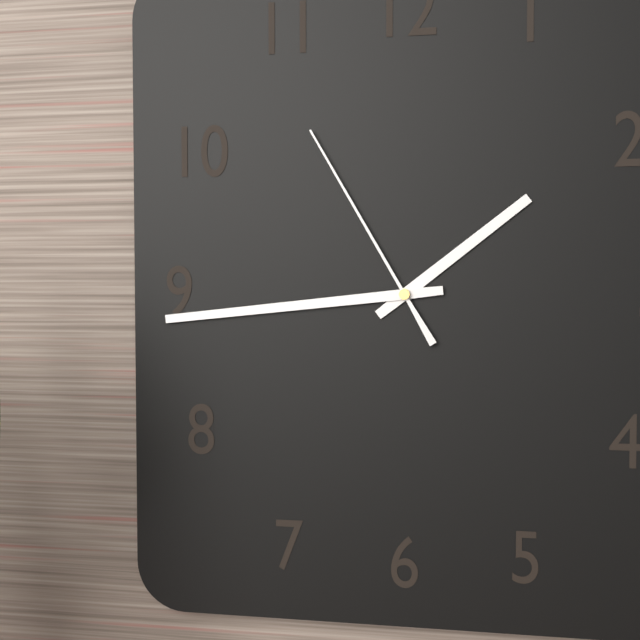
h=1 m=44 s=55
